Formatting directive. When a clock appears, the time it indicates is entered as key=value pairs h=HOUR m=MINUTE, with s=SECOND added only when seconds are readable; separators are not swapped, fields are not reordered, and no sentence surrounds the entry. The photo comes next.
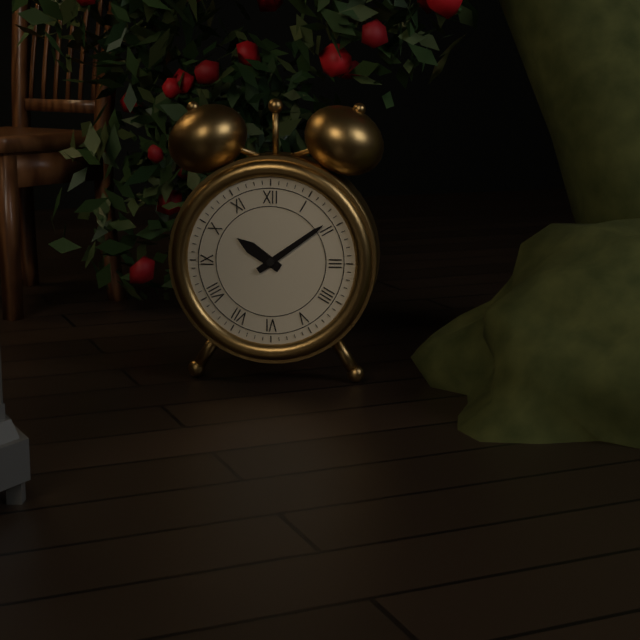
h=10 m=9
